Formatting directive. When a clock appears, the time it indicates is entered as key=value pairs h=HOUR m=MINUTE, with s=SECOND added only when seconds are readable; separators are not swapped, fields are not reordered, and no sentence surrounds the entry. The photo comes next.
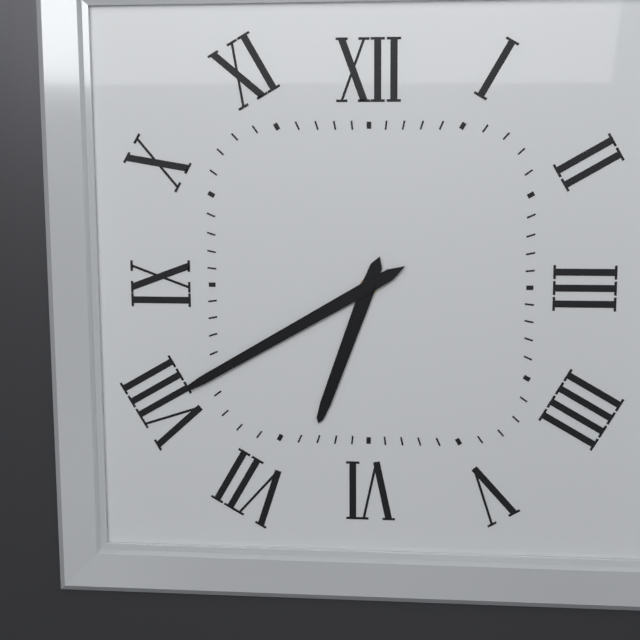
h=6 m=40
